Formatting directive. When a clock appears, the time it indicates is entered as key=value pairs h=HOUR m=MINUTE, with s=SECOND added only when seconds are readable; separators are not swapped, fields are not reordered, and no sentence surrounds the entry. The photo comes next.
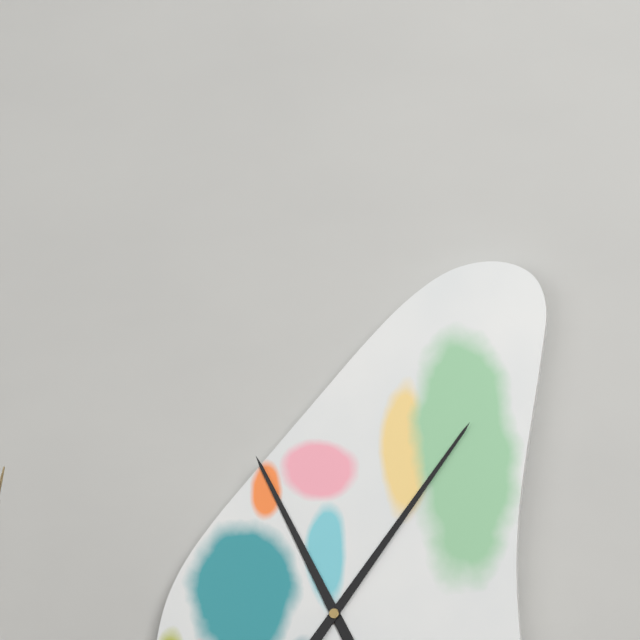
h=11 m=6
